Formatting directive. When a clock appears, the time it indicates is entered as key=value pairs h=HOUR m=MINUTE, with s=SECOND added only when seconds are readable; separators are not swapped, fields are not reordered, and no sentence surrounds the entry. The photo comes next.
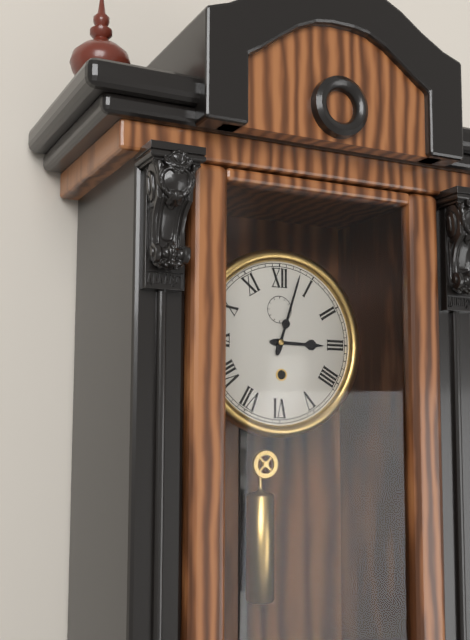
h=3 m=3
